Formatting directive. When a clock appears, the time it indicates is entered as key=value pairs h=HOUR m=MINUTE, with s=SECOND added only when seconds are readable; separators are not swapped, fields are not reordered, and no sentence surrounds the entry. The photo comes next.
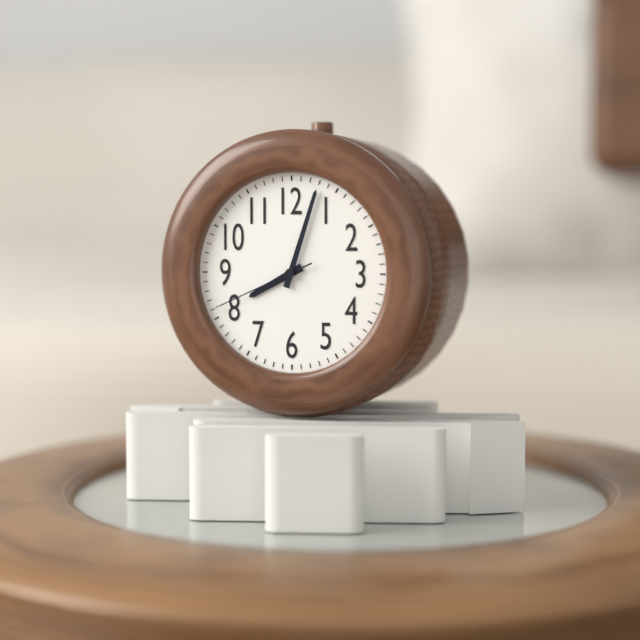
h=8 m=3 s=41
